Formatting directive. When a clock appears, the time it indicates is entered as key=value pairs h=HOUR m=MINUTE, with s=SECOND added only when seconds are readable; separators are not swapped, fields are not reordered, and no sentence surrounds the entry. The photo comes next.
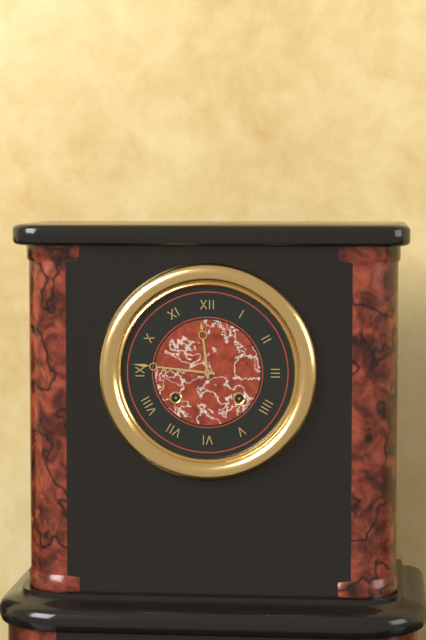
h=11 m=46
